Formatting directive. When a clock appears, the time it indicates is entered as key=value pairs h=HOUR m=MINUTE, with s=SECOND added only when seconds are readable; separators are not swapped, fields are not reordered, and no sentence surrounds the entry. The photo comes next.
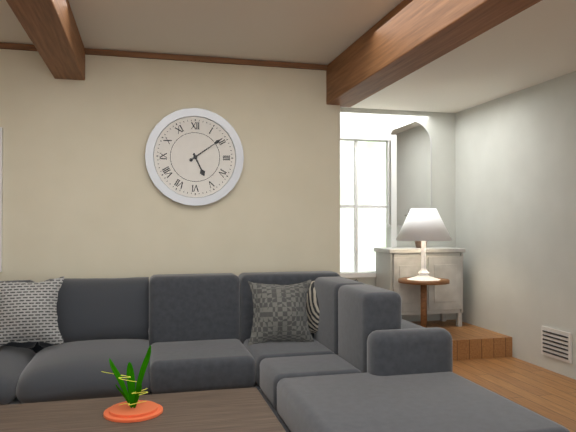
h=5 m=9
